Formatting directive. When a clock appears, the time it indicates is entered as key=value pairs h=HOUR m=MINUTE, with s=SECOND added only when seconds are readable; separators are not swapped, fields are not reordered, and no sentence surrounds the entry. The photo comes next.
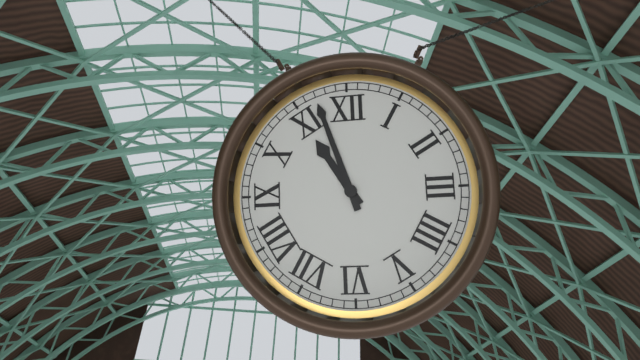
h=10 m=57
